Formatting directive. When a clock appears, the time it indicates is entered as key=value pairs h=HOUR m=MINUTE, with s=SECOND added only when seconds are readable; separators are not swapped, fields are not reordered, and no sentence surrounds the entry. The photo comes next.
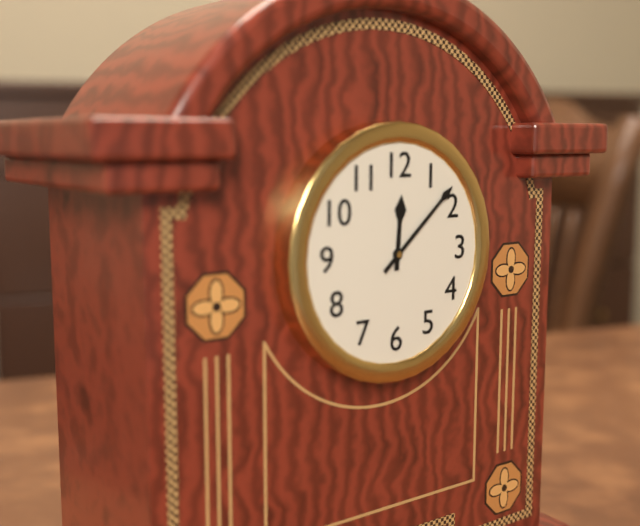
h=12 m=8
